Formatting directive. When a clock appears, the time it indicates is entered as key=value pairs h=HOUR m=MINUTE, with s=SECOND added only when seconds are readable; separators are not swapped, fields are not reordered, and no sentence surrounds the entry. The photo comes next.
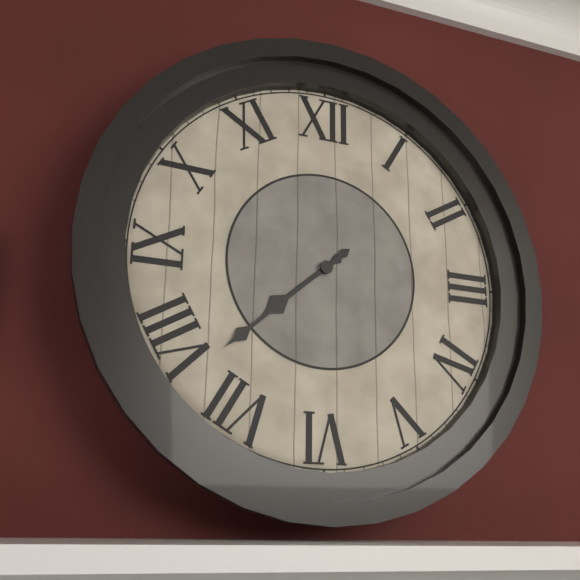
h=7 m=38
